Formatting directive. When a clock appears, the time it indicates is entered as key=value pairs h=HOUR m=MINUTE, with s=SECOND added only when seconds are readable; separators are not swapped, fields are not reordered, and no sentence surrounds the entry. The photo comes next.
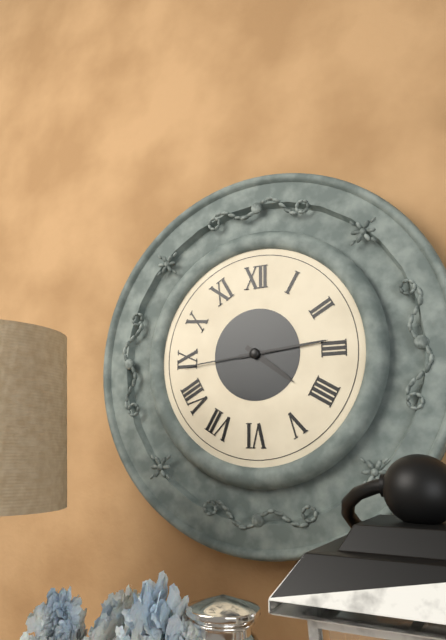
h=4 m=14 s=44
